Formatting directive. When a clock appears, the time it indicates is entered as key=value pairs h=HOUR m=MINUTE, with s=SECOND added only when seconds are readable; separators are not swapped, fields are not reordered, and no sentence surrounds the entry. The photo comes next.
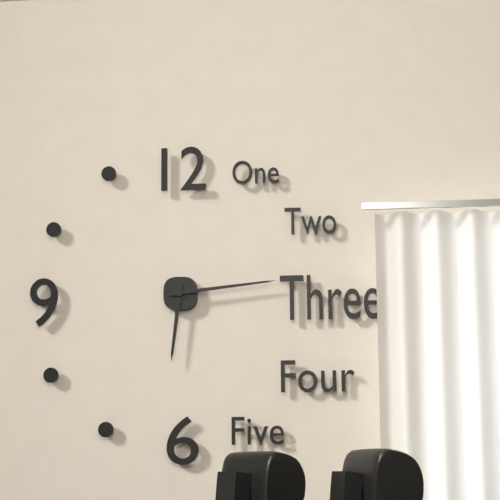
h=6 m=14
